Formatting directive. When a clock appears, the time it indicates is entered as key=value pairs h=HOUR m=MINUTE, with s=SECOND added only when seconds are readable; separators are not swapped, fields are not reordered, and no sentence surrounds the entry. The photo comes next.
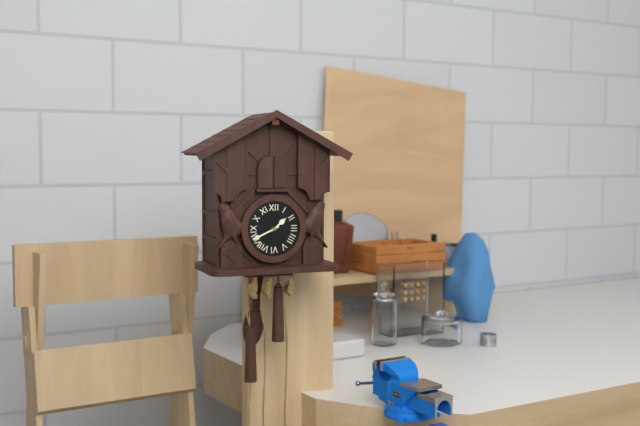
h=1 m=41
